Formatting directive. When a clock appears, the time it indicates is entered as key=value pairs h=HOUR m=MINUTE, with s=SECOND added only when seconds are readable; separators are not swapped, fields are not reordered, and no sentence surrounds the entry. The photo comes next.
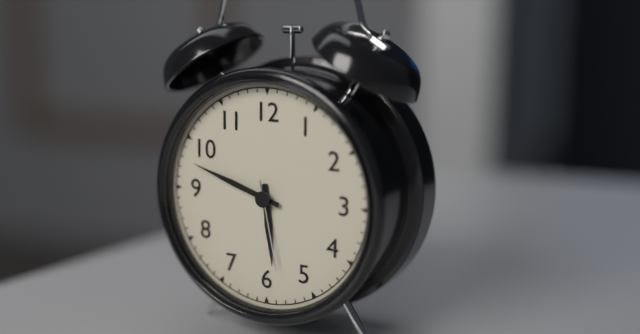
h=5 m=48 s=28
